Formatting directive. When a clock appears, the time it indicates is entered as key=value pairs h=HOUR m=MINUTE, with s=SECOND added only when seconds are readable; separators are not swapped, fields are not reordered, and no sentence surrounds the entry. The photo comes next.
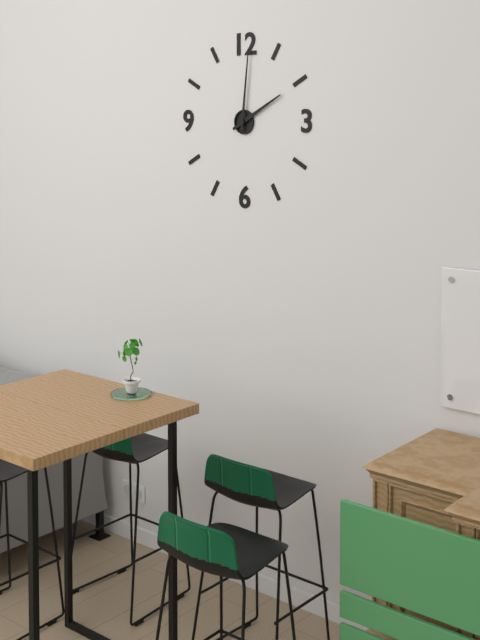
h=2 m=1
